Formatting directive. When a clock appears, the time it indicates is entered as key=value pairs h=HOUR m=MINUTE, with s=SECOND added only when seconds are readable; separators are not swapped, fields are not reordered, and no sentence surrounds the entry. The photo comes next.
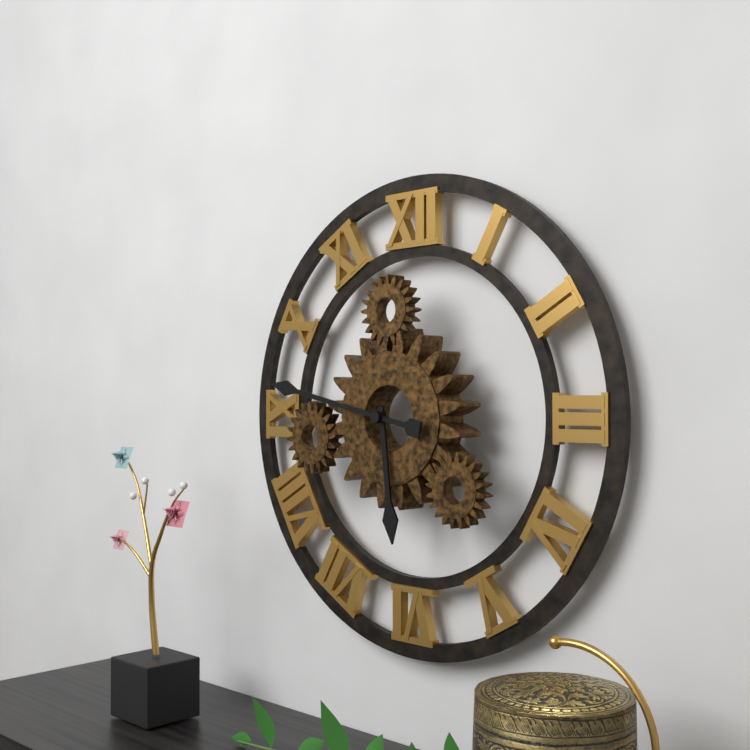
h=5 m=47
